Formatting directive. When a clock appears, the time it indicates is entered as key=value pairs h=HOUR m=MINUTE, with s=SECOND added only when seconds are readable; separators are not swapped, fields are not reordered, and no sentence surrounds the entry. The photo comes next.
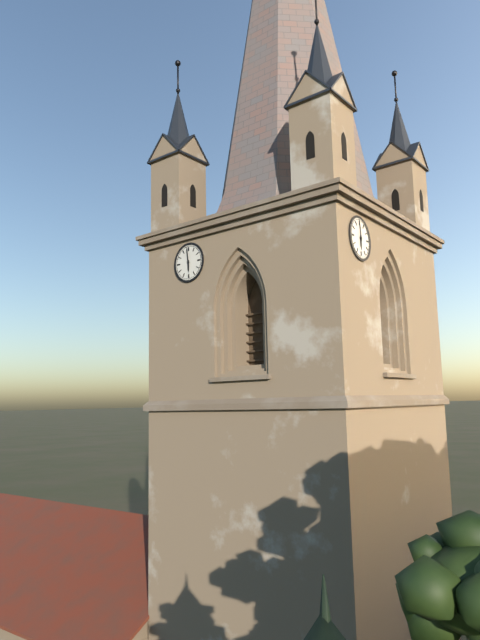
h=5 m=59
